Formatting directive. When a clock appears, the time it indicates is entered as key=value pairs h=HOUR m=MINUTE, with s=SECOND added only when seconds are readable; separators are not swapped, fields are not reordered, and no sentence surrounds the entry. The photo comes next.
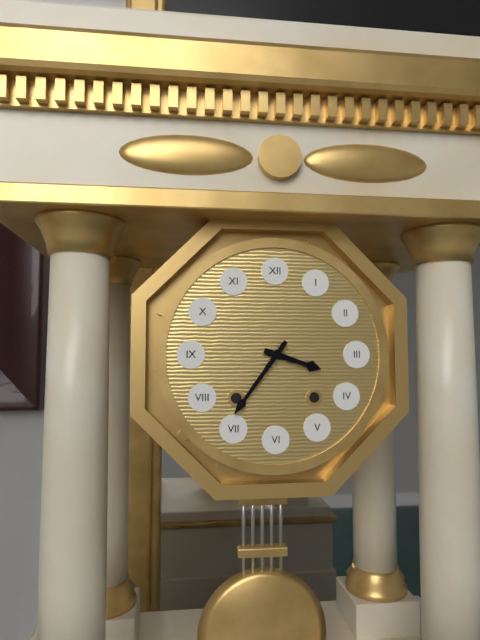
h=3 m=36
